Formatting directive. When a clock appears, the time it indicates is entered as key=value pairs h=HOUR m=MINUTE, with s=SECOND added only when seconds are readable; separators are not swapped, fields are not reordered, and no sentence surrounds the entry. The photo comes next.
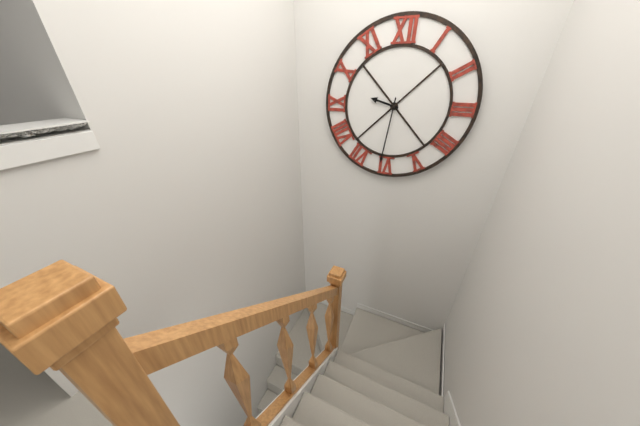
h=9 m=31
